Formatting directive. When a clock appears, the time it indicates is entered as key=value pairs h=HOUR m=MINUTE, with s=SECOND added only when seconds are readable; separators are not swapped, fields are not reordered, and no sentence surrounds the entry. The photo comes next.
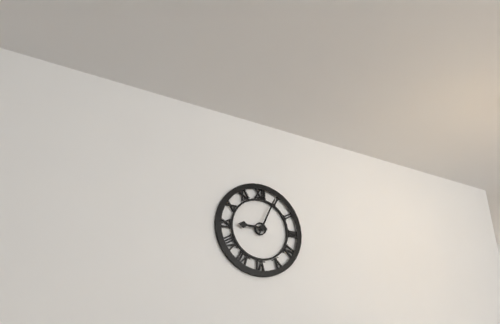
h=9 m=4
